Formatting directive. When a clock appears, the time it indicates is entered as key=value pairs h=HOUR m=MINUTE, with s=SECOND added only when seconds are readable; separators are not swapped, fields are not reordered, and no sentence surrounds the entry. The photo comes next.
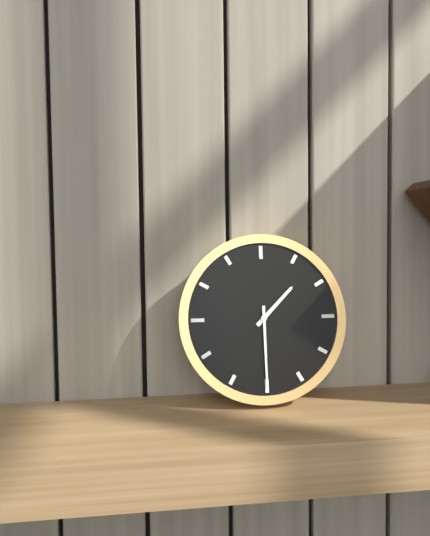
h=1 m=30
